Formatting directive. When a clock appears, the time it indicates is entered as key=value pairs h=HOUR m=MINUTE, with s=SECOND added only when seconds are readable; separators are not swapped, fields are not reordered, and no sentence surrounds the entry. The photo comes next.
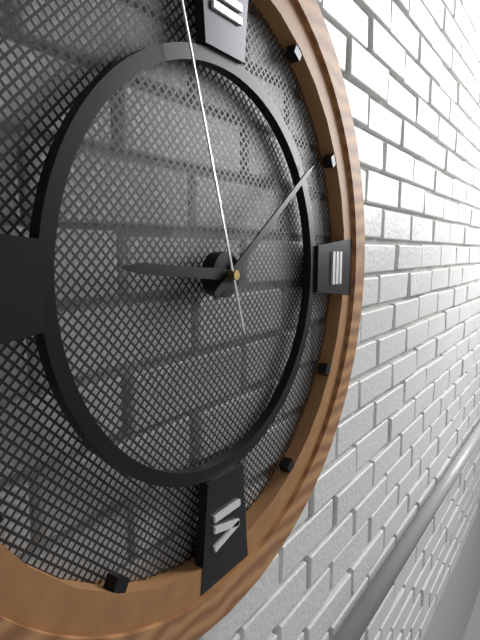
h=9 m=9
